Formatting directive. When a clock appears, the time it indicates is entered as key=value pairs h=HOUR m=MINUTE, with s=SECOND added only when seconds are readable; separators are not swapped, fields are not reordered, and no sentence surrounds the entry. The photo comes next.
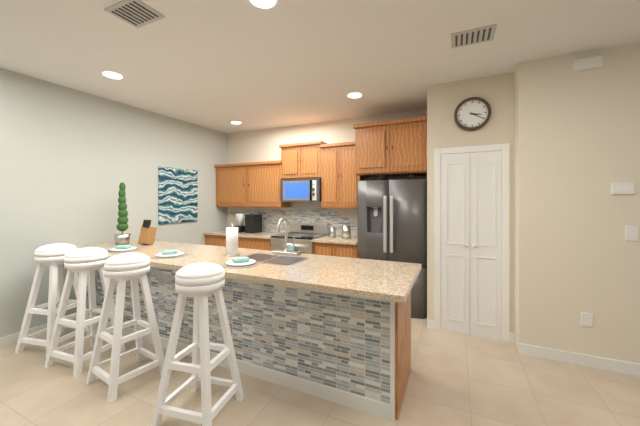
h=3 m=20
